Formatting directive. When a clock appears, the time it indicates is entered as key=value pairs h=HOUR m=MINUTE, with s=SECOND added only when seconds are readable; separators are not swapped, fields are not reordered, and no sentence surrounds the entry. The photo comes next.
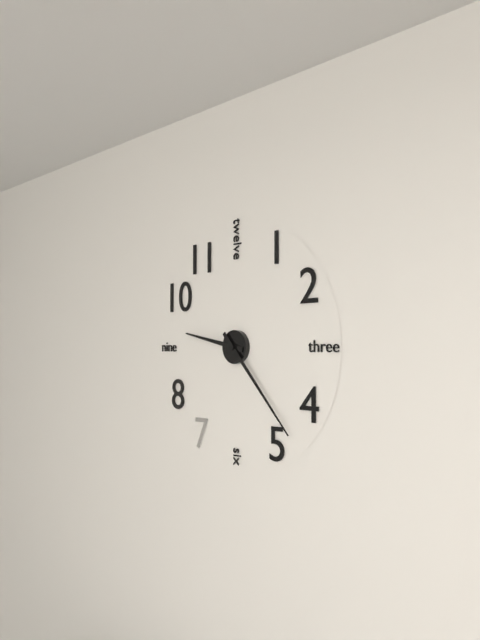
h=9 m=23
